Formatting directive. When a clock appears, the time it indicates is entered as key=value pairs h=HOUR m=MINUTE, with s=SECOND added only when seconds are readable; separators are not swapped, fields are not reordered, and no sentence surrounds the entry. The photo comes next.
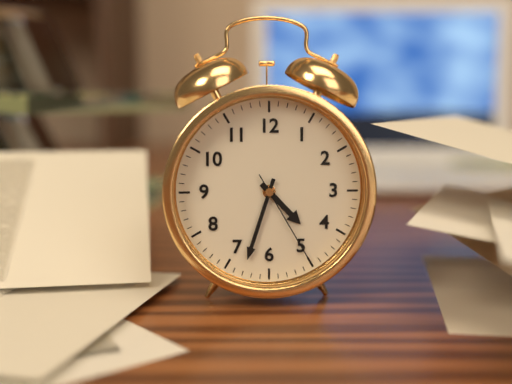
h=4 m=33 s=25
